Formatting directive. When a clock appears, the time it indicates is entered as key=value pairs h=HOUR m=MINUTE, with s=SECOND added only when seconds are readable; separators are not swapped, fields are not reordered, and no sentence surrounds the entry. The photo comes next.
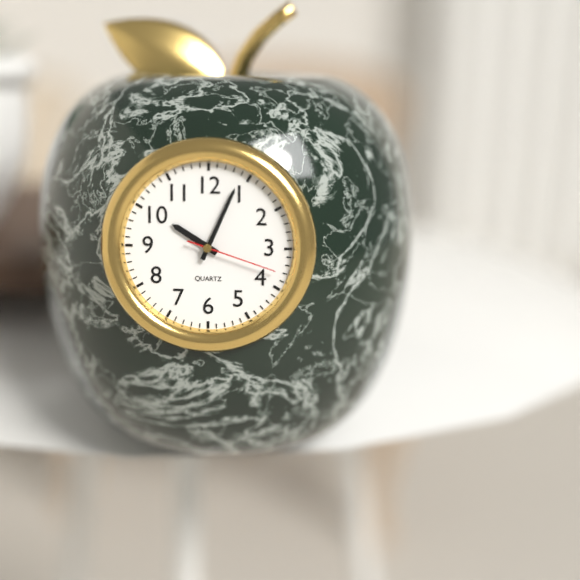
h=10 m=4 s=18
